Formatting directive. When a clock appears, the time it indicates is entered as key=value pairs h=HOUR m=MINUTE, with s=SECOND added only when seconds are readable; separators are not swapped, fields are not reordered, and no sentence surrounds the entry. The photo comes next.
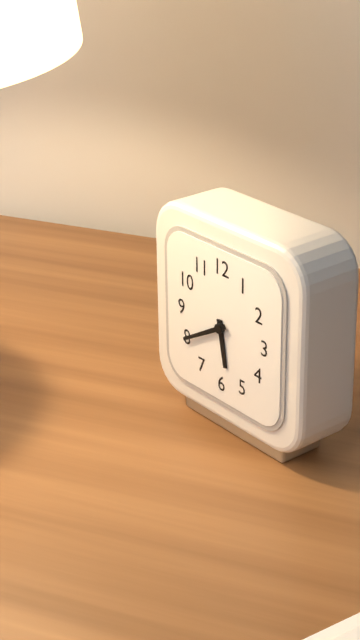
h=5 m=40
